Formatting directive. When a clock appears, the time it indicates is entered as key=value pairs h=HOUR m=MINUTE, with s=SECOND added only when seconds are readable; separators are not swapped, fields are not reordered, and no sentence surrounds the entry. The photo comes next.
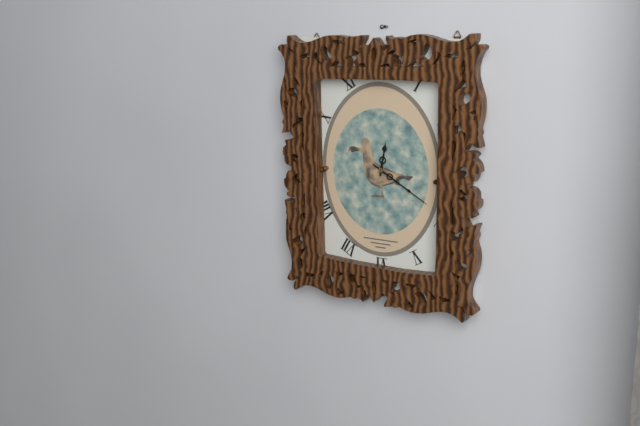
h=12 m=20
